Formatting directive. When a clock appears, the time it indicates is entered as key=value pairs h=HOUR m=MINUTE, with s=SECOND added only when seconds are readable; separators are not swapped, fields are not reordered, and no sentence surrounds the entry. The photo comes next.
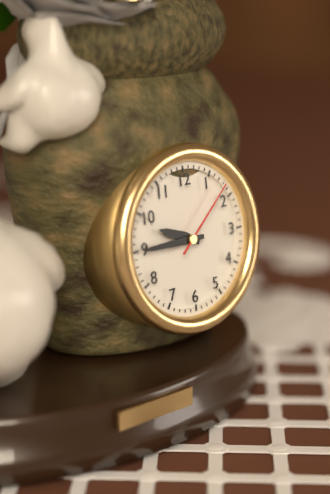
h=9 m=45 s=8
